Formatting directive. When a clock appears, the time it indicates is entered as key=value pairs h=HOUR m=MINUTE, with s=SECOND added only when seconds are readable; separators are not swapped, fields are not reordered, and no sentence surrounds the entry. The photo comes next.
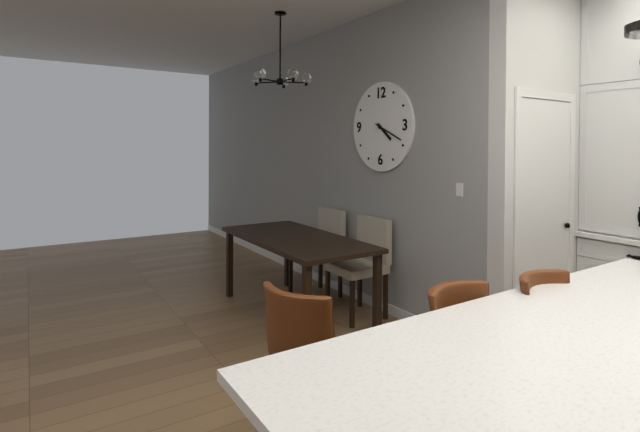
h=4 m=19
